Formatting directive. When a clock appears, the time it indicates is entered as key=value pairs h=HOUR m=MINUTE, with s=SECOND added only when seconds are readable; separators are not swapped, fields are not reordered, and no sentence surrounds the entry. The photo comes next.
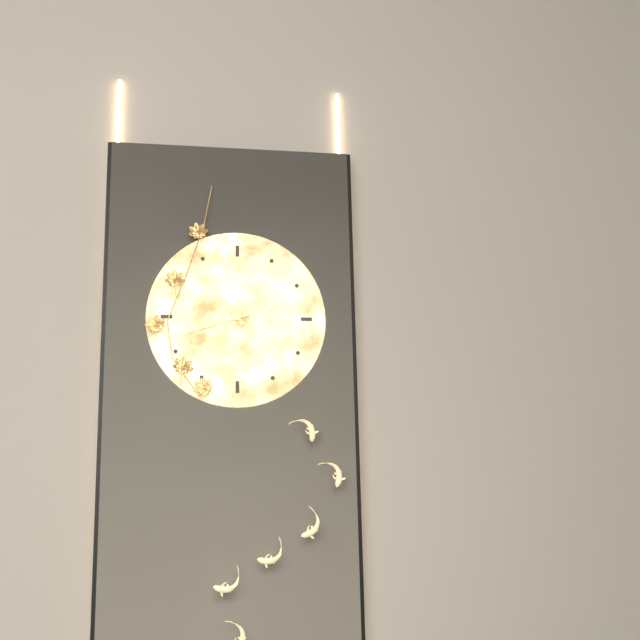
h=10 m=42
